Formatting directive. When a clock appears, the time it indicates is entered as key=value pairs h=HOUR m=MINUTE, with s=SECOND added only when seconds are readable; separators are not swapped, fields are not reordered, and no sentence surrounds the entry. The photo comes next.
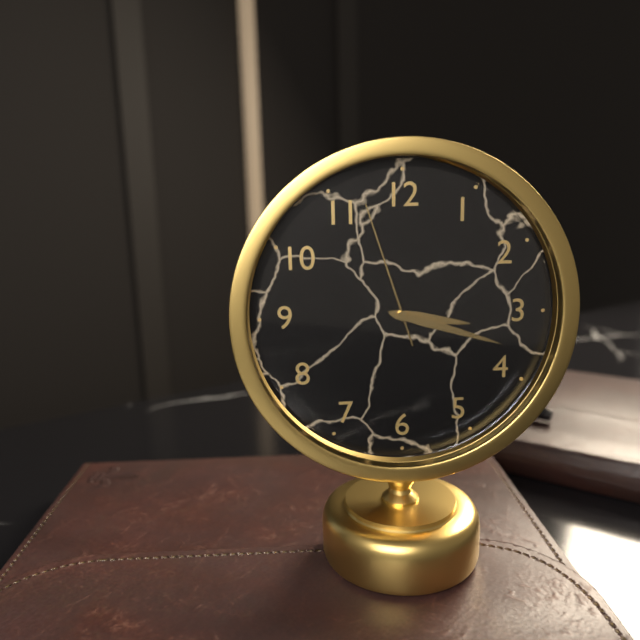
h=3 m=18 s=57
